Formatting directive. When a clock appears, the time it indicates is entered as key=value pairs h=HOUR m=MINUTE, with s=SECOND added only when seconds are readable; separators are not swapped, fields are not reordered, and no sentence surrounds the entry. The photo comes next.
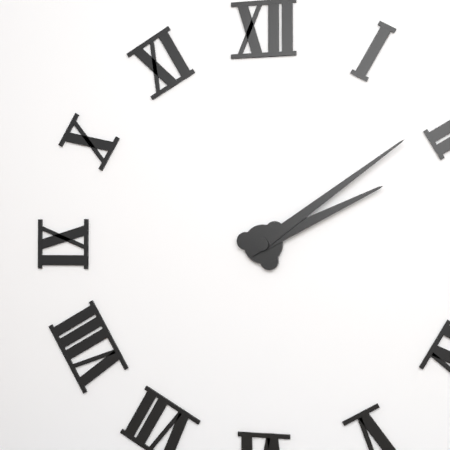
h=2 m=9
